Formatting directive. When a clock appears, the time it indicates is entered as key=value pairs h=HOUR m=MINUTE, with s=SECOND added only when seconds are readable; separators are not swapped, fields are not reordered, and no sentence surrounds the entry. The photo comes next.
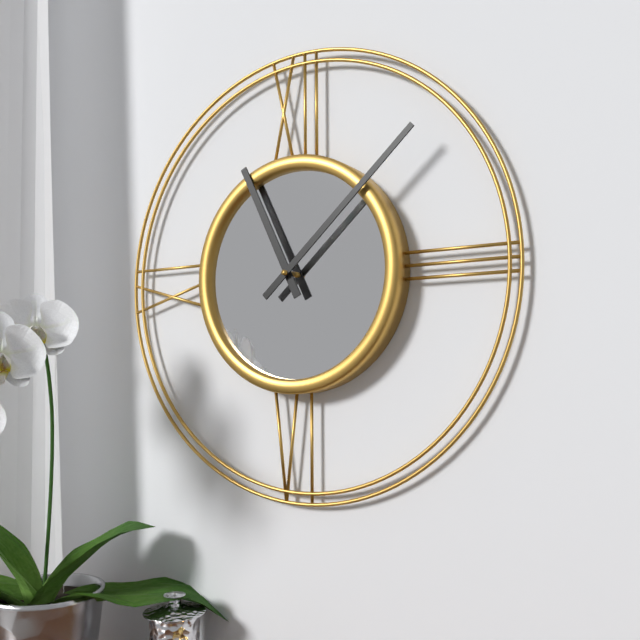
h=11 m=8
